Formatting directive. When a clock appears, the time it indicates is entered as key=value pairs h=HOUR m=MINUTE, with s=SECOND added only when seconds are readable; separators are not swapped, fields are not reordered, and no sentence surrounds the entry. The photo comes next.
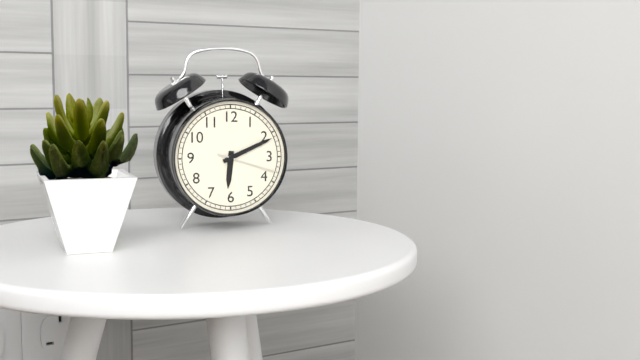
h=6 m=11 s=18
